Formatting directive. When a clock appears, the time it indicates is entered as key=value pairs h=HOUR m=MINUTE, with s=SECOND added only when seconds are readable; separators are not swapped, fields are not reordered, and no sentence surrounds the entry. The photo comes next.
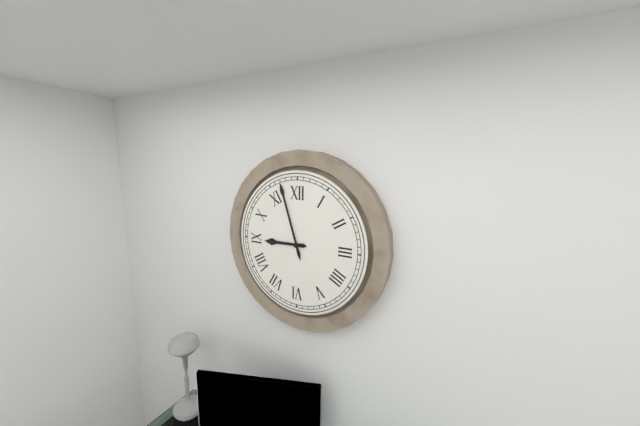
h=8 m=57
